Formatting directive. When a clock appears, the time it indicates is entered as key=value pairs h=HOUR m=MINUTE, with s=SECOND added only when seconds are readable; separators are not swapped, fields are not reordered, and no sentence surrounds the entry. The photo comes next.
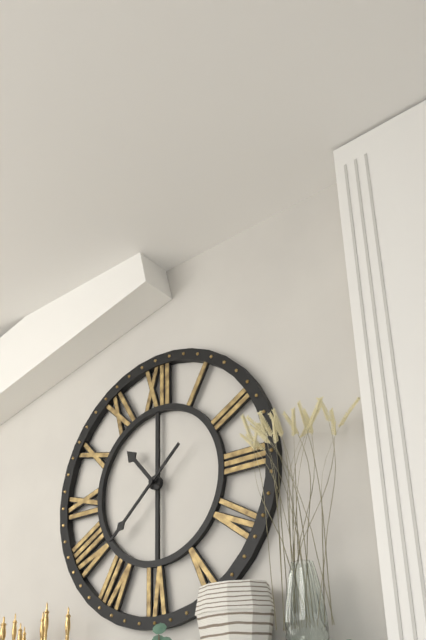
h=10 m=38
